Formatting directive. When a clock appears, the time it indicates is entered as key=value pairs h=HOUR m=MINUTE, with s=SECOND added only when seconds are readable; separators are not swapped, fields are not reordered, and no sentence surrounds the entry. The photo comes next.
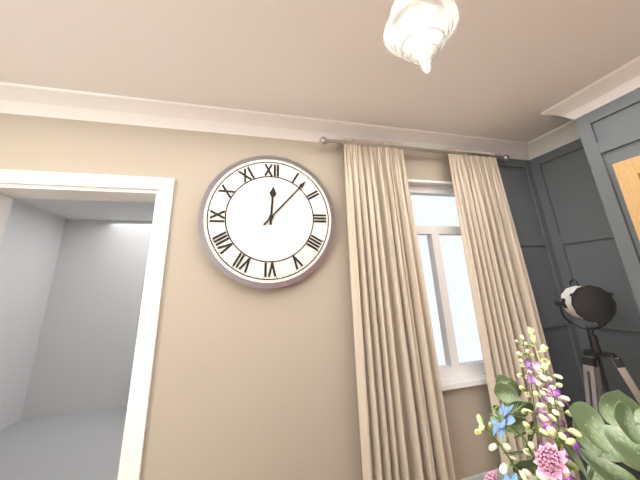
h=12 m=7
